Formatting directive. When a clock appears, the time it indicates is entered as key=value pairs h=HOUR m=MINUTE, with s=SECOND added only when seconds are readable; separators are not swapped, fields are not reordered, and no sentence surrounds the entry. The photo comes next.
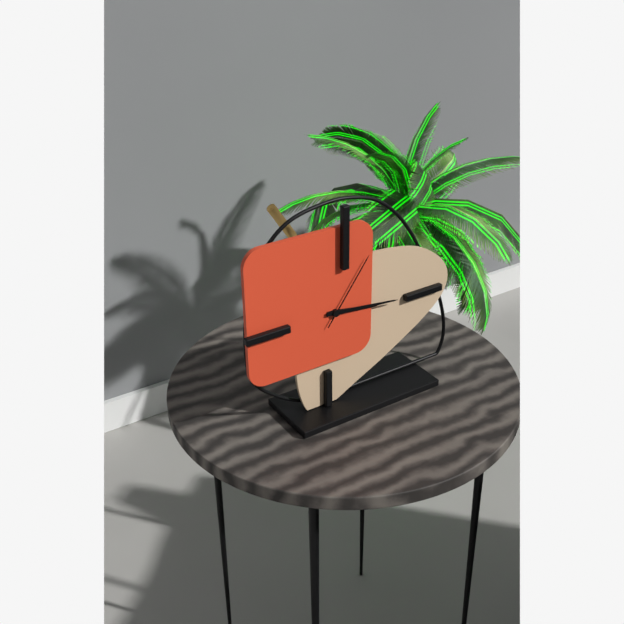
h=3 m=16 s=6
